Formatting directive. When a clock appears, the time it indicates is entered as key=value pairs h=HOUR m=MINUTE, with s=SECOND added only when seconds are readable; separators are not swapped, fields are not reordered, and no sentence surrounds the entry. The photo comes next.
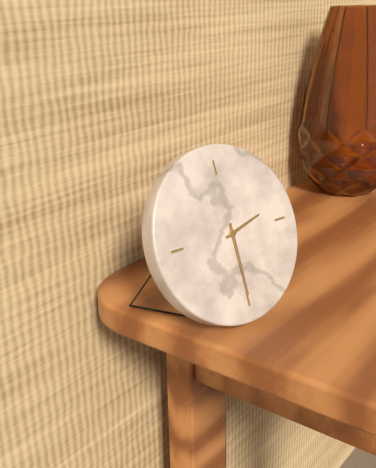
h=2 m=30
